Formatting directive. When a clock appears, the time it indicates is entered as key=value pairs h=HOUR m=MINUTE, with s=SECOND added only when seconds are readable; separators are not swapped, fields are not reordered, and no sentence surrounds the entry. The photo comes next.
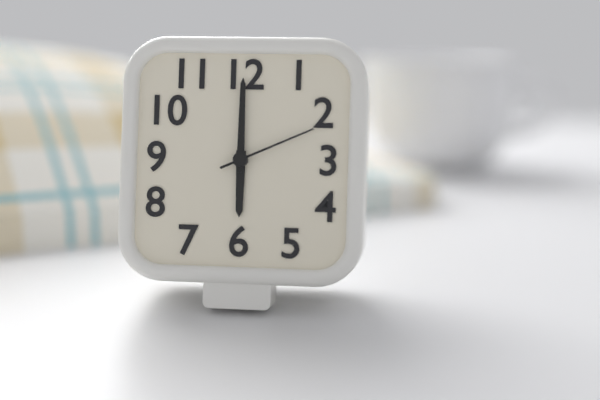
h=6 m=0 s=11
